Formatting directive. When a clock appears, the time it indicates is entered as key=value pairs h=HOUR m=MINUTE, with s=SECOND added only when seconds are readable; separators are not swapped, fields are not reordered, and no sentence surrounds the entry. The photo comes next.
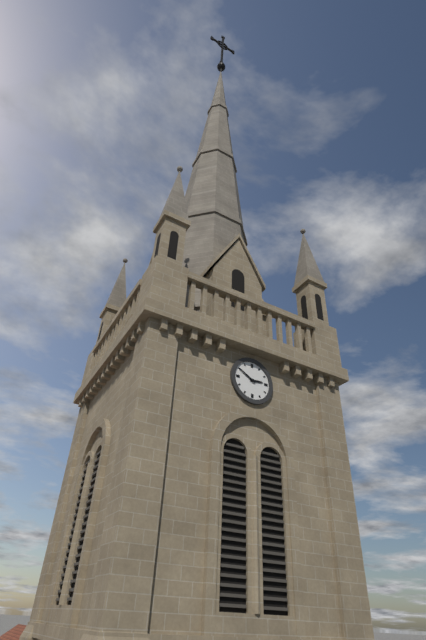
h=2 m=50
